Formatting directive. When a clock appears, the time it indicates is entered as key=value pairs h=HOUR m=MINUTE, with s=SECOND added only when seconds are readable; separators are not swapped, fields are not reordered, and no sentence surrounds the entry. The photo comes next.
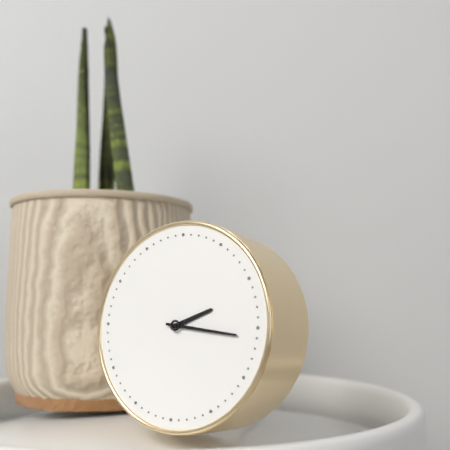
h=2 m=16
